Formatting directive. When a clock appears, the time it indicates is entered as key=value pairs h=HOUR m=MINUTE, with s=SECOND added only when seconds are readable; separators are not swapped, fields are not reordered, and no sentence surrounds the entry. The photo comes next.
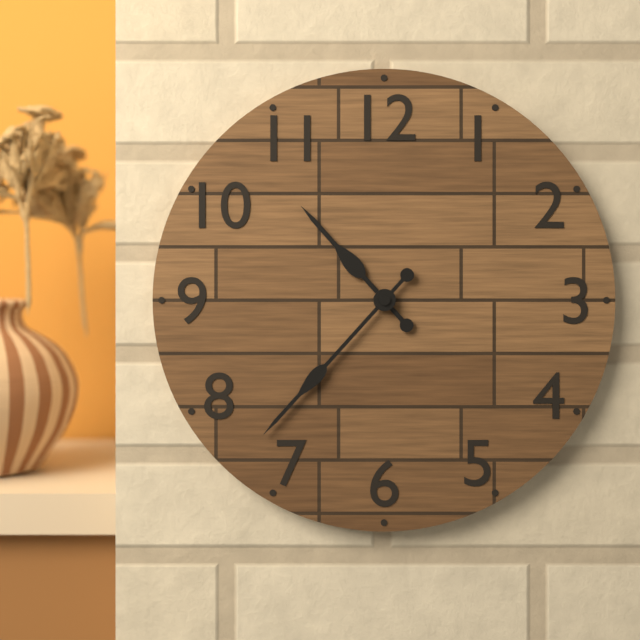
h=10 m=37
